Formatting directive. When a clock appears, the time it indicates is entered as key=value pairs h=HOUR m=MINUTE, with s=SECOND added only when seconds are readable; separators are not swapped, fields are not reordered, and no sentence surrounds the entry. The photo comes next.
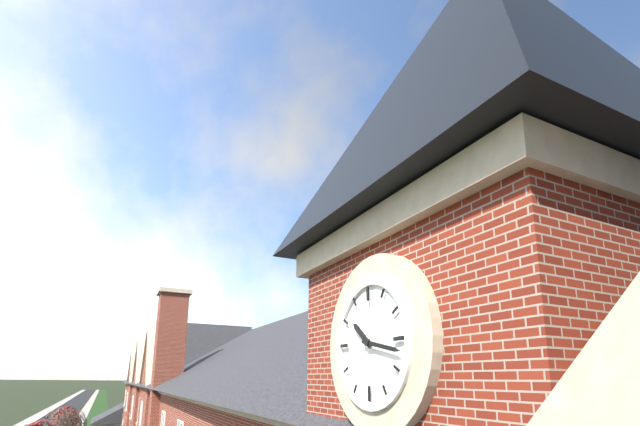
h=10 m=17
